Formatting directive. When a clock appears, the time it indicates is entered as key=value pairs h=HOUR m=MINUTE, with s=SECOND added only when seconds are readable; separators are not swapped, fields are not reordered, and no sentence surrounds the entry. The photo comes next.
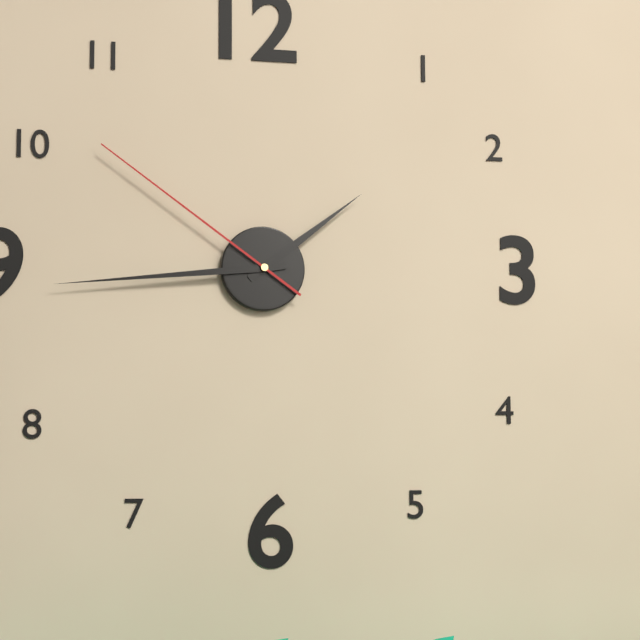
h=1 m=44 s=51
